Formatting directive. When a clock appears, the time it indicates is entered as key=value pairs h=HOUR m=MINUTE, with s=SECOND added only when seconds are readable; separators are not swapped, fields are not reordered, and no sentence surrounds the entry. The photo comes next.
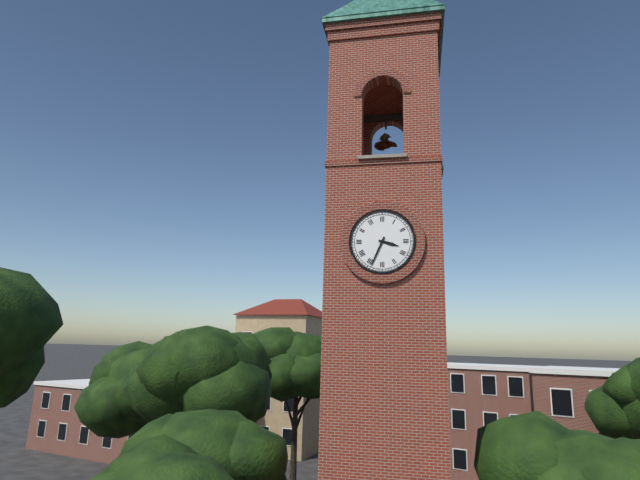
h=3 m=34
